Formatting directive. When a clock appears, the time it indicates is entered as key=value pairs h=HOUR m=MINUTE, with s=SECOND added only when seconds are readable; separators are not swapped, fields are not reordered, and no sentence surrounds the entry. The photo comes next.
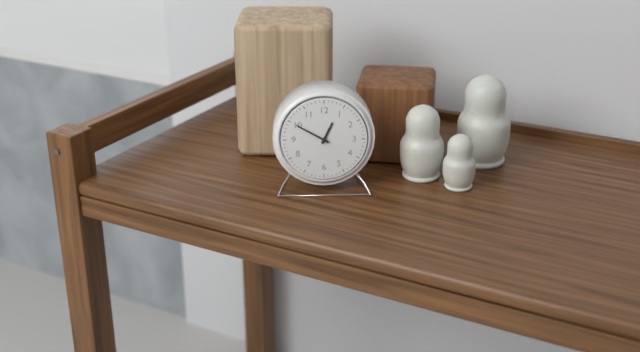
h=12 m=50
